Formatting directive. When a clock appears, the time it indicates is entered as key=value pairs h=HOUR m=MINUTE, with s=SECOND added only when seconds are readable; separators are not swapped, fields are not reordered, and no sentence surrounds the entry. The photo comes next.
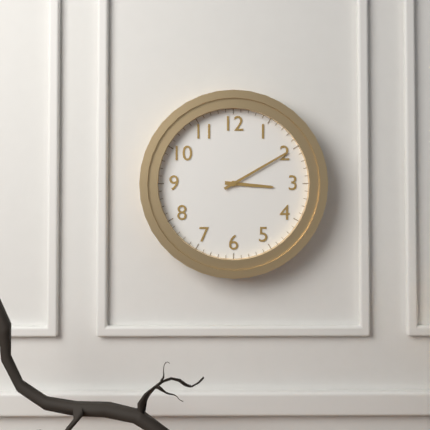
h=3 m=10
